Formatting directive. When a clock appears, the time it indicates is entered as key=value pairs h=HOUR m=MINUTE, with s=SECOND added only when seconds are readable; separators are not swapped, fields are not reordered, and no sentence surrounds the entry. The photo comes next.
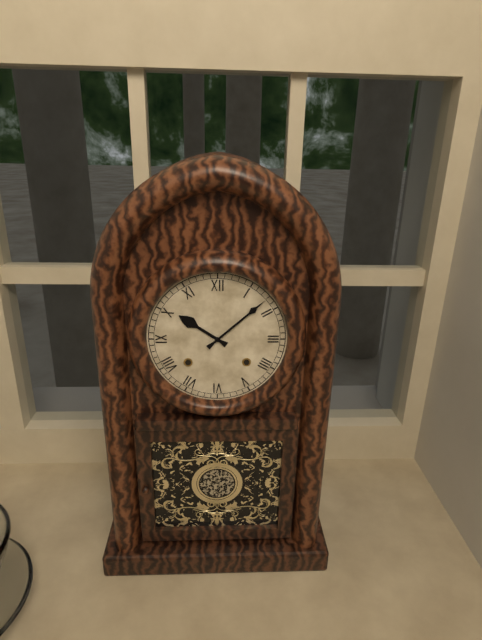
h=10 m=8
